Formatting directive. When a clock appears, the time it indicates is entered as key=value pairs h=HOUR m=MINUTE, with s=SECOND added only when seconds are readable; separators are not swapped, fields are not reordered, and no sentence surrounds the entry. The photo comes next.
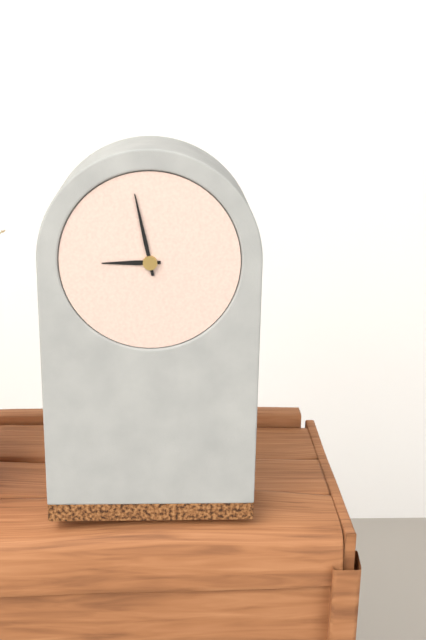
h=8 m=58
